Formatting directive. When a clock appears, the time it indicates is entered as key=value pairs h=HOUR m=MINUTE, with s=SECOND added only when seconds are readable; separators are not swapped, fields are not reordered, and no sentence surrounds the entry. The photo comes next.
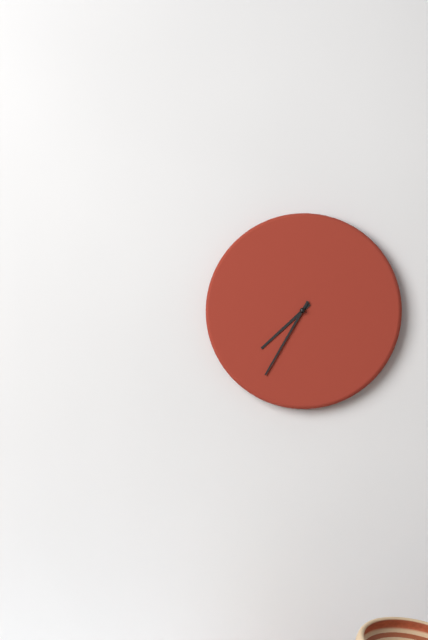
h=7 m=35
